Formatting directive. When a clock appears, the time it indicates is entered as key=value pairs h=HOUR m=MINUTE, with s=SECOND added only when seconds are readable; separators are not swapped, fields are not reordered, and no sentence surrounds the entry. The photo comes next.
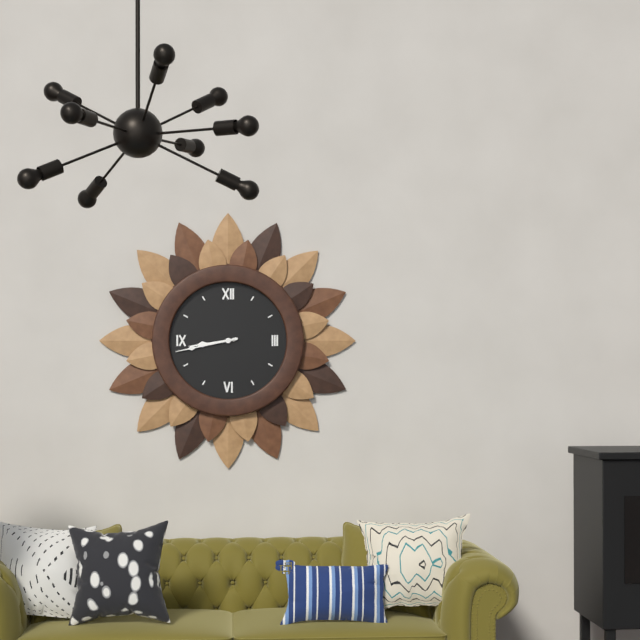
h=8 m=43
